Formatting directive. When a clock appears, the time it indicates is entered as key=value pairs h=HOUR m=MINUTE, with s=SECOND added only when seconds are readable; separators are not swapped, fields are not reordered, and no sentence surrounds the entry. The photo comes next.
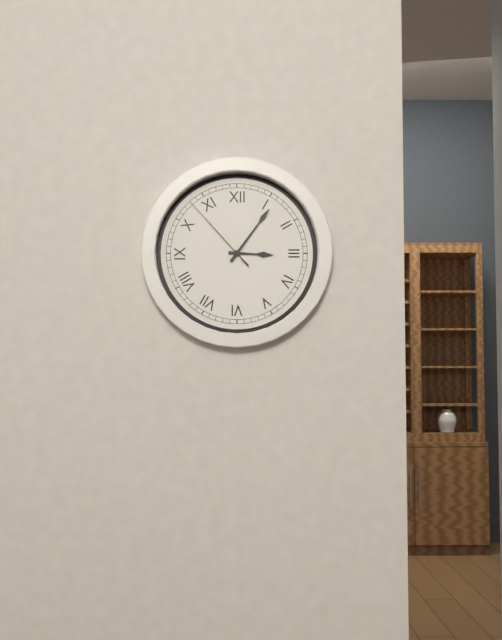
h=3 m=6 s=53
